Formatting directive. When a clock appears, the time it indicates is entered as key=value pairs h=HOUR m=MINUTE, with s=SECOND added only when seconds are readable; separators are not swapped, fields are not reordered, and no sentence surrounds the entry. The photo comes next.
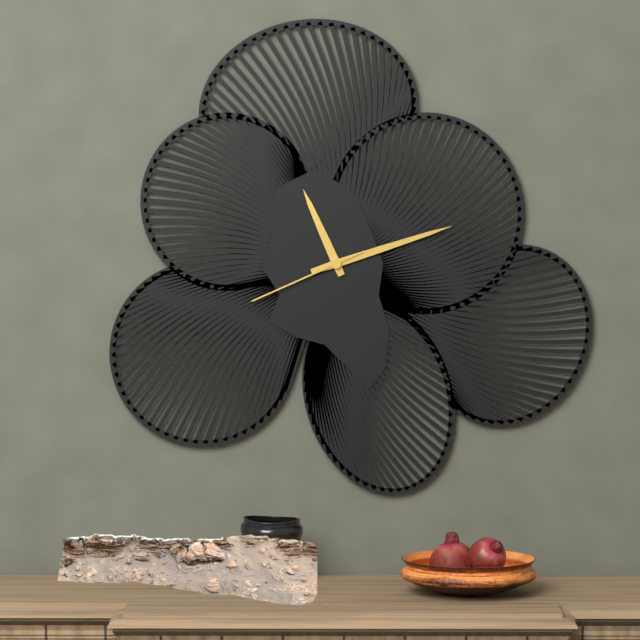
h=11 m=12 s=41
